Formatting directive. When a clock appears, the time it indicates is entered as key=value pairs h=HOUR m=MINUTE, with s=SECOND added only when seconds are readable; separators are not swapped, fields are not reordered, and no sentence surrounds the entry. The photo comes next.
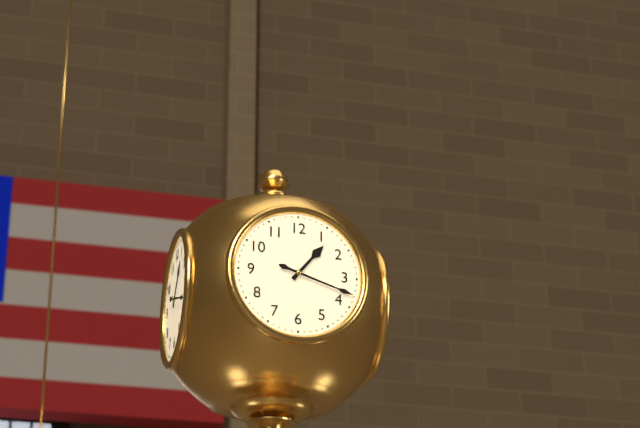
h=1 m=18
